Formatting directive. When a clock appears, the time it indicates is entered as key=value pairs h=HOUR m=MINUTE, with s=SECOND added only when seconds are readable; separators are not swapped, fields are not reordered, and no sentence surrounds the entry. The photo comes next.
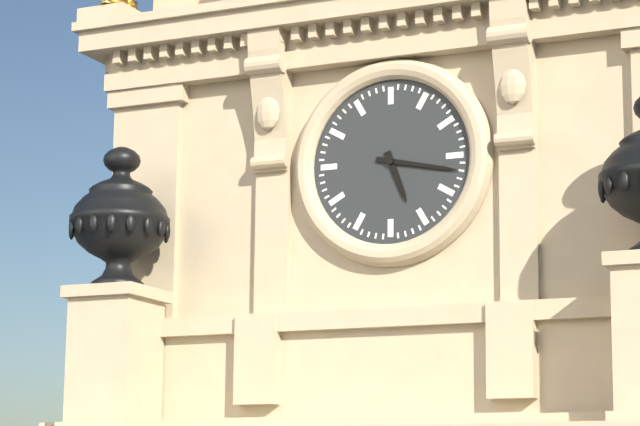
h=5 m=17
